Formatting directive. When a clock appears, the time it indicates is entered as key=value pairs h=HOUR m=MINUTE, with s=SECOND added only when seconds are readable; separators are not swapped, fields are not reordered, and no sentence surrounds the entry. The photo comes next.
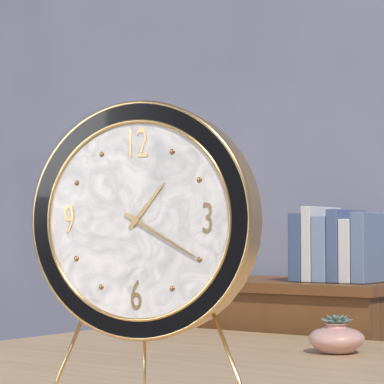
h=1 m=20
